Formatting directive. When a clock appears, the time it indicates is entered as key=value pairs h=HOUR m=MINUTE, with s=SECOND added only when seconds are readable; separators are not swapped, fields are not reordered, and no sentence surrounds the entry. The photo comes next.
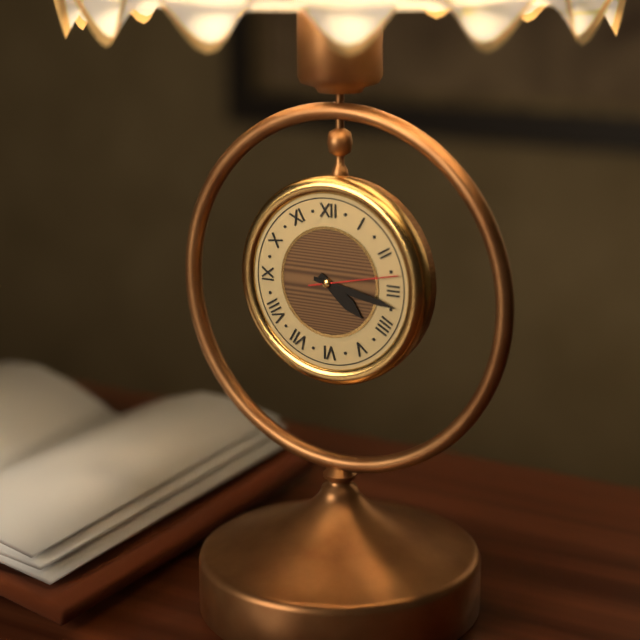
h=4 m=17 s=13
